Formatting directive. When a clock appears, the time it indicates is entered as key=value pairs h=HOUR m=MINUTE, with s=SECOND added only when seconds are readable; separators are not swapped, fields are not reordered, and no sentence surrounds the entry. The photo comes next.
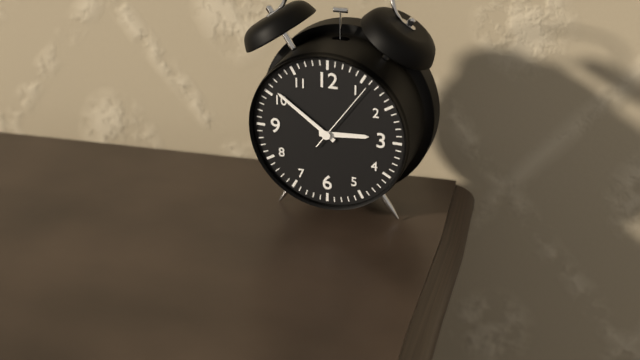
h=2 m=51 s=6
